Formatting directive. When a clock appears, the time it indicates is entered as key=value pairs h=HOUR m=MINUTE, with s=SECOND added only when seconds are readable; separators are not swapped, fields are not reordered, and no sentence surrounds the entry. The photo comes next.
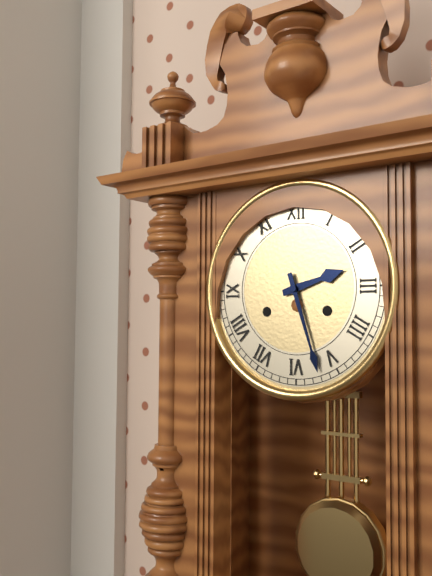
h=2 m=27
